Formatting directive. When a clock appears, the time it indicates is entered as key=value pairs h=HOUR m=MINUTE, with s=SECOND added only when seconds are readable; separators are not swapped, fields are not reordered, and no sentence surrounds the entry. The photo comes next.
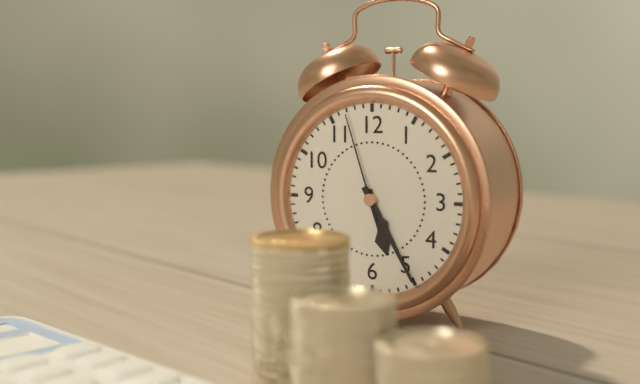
h=5 m=25 s=57
